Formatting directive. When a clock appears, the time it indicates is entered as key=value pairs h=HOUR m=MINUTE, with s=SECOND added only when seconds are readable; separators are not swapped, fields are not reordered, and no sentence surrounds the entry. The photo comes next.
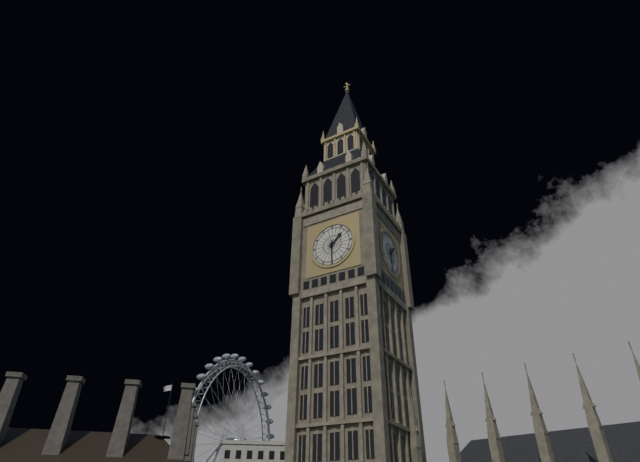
h=1 m=30
